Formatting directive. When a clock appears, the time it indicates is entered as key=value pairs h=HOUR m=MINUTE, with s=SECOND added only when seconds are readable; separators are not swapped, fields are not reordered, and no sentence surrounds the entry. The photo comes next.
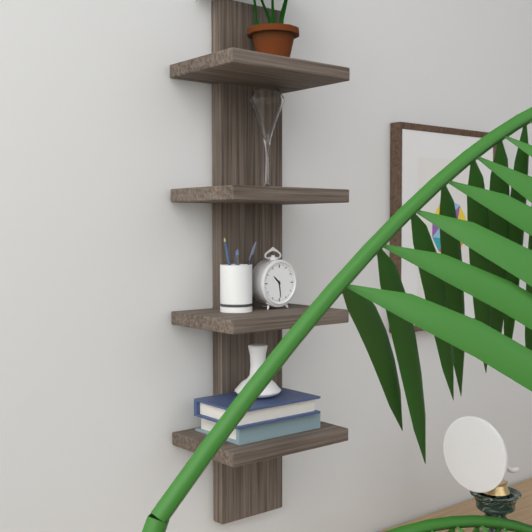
h=10 m=29
